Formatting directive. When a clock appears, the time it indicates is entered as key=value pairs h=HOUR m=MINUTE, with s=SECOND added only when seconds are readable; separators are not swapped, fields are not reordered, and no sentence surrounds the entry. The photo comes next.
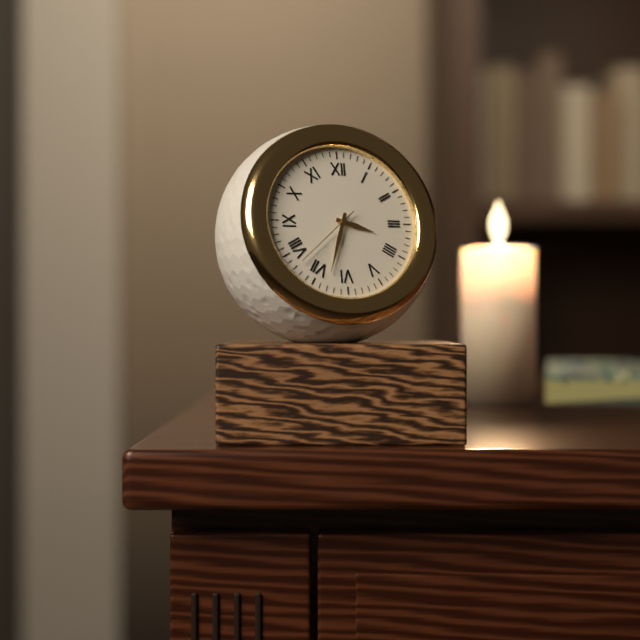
h=3 m=33 s=38
